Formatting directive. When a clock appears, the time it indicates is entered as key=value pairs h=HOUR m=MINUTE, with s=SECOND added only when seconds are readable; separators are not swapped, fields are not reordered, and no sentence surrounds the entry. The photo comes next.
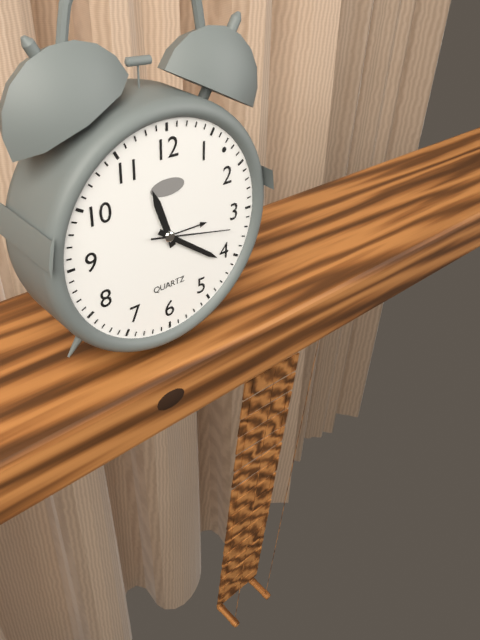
h=11 m=21 s=17
